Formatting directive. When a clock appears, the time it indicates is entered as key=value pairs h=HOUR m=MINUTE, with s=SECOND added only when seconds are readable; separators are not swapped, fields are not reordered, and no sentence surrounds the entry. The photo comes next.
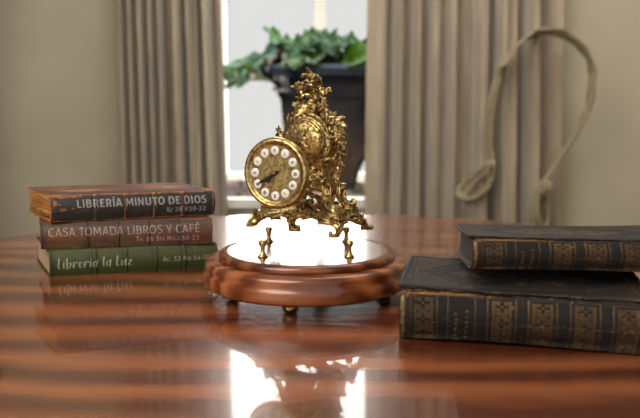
h=7 m=40
